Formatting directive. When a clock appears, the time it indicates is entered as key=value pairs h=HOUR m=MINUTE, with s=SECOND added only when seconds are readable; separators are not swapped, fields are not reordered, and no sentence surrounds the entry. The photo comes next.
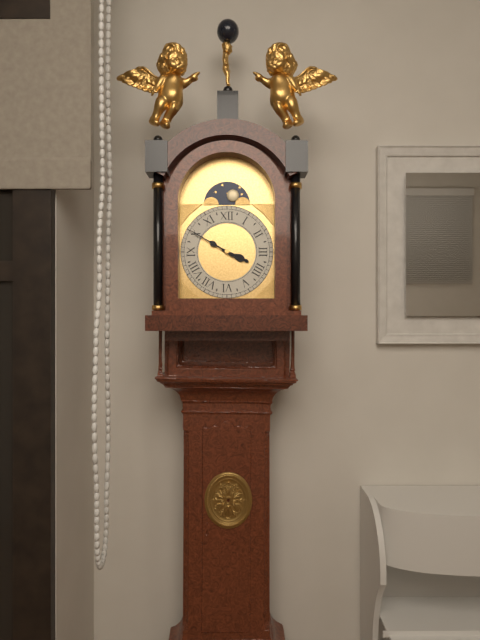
h=3 m=50
